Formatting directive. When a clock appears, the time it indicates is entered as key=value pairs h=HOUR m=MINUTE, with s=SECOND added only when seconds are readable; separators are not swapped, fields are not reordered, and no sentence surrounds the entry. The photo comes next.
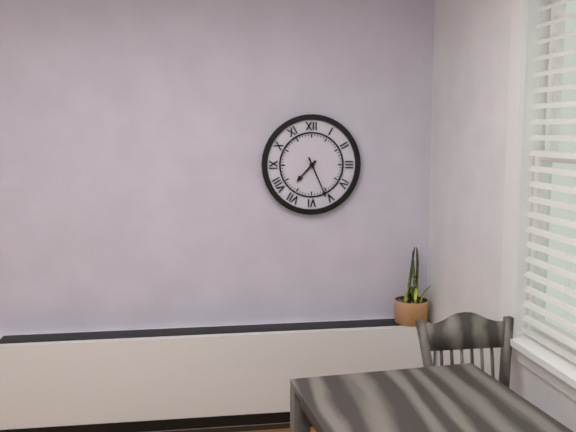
h=7 m=26
